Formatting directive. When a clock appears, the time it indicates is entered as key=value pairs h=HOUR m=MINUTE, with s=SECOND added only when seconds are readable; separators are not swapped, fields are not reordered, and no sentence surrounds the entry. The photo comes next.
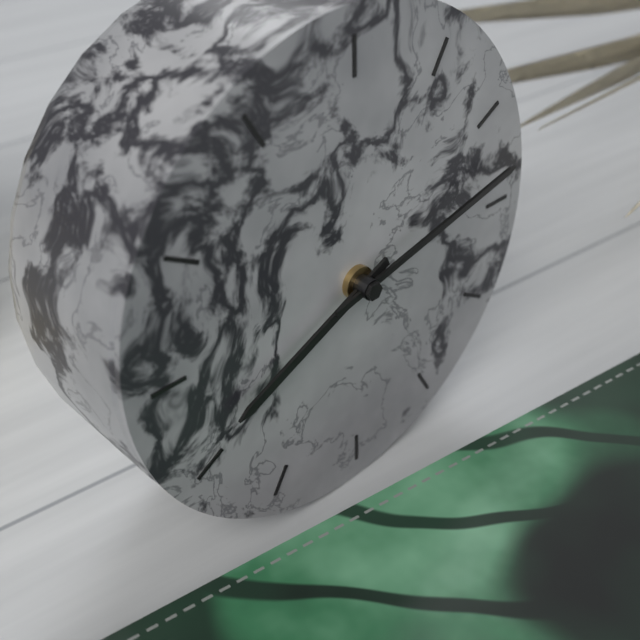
h=8 m=13
